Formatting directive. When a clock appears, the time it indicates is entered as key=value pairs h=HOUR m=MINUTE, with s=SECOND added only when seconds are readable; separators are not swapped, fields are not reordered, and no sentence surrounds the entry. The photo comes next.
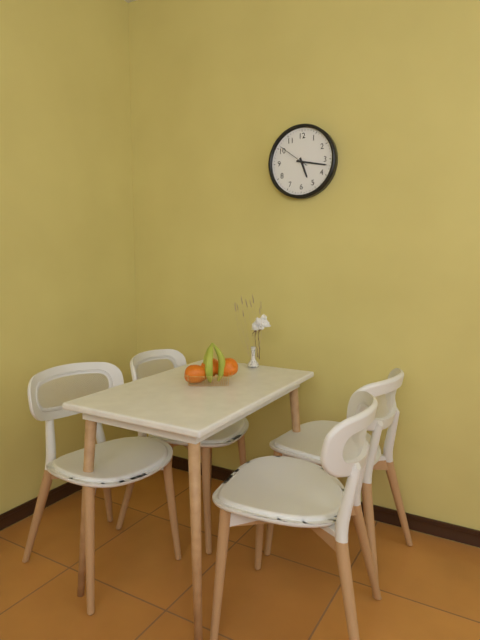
h=5 m=17
